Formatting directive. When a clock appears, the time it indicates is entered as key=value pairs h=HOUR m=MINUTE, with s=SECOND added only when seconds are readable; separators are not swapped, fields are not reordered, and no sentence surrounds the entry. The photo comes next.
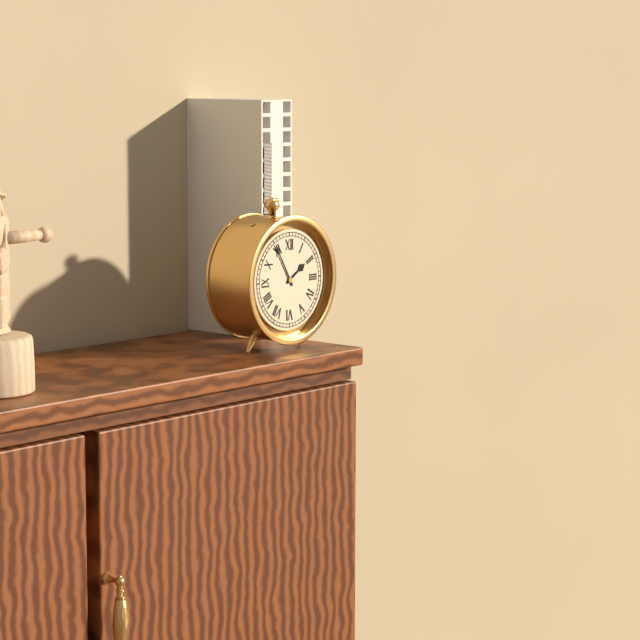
h=1 m=55
